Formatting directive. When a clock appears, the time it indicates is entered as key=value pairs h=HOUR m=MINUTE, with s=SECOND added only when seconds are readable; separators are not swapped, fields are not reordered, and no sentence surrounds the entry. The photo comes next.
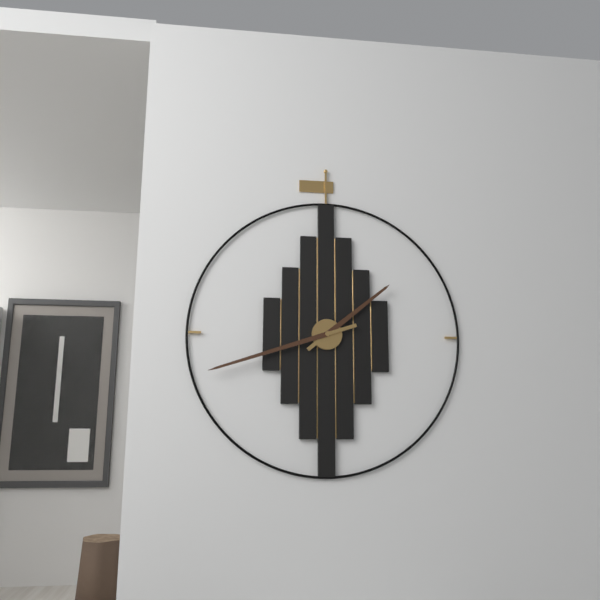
h=1 m=42
